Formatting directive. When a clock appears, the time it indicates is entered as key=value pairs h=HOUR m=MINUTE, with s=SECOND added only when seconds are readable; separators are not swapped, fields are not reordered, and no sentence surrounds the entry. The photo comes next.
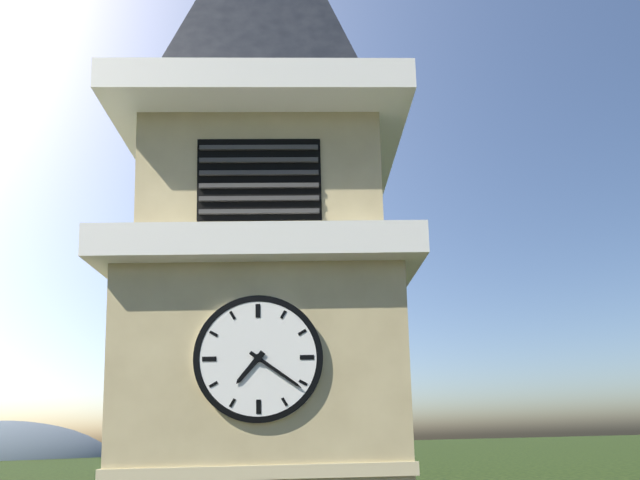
h=7 m=21
